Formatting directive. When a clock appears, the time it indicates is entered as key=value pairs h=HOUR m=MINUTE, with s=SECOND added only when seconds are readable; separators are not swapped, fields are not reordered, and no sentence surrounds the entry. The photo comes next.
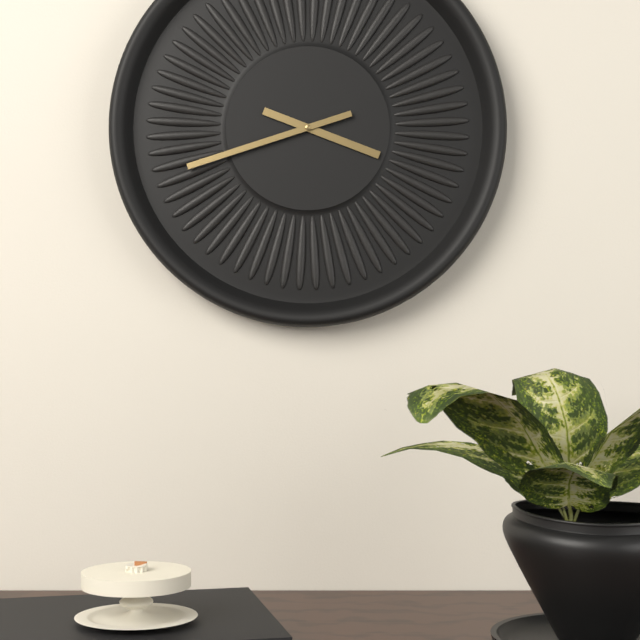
h=3 m=42
